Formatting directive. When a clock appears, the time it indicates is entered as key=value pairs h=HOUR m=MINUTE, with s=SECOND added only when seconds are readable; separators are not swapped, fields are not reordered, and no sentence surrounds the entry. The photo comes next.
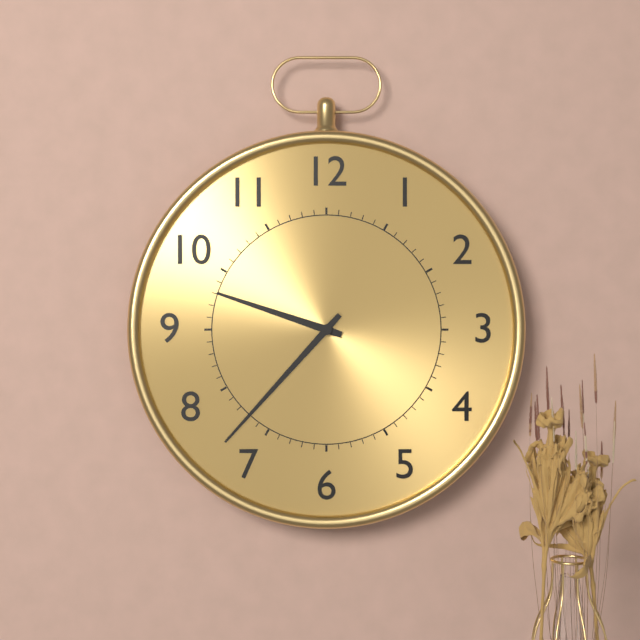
h=9 m=37
